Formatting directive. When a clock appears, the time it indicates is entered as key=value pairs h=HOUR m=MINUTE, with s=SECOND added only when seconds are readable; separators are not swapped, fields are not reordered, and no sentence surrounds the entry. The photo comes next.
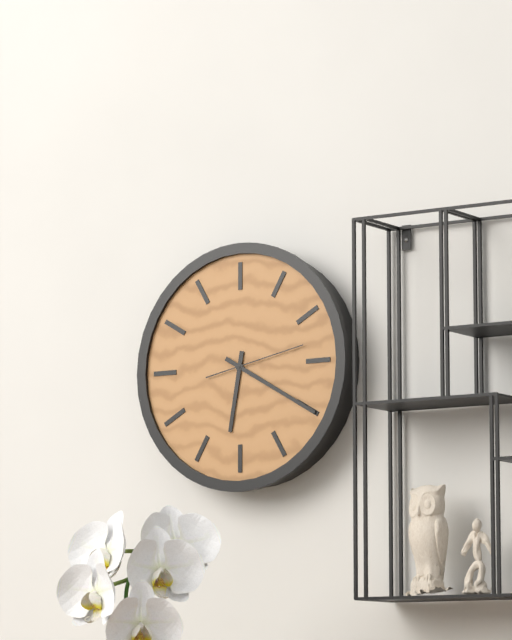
h=6 m=20 s=13
